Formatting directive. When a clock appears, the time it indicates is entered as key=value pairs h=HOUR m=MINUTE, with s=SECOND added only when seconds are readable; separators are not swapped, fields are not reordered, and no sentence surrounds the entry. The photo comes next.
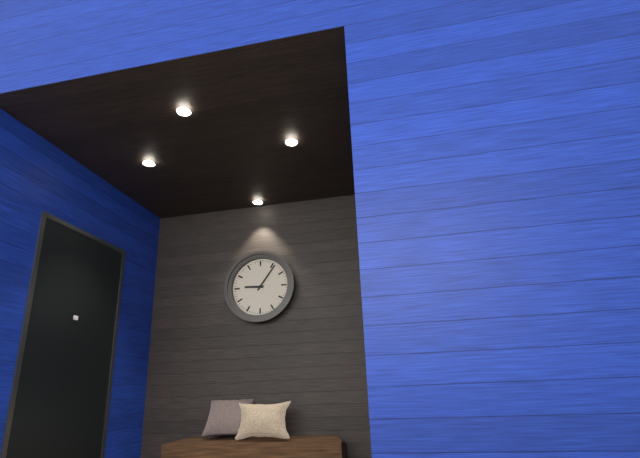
h=9 m=6
